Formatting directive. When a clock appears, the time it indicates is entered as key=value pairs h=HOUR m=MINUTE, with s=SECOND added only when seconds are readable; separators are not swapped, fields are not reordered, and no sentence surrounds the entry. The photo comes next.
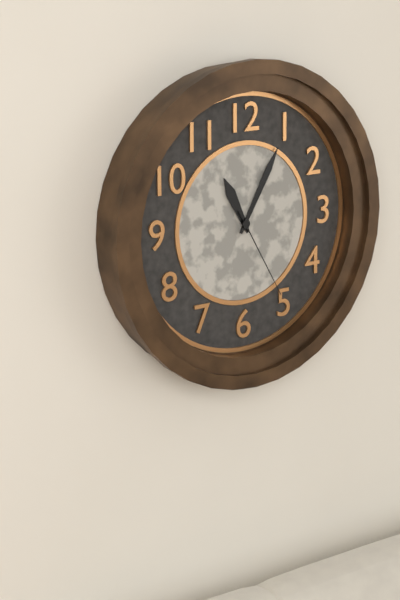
h=11 m=5 s=25
